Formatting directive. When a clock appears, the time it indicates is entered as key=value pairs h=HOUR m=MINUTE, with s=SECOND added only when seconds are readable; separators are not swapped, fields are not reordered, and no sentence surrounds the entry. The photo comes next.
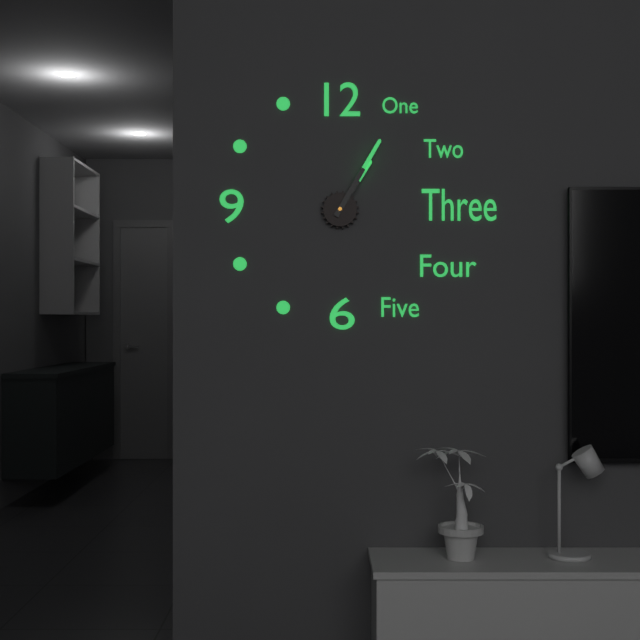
h=1 m=5
